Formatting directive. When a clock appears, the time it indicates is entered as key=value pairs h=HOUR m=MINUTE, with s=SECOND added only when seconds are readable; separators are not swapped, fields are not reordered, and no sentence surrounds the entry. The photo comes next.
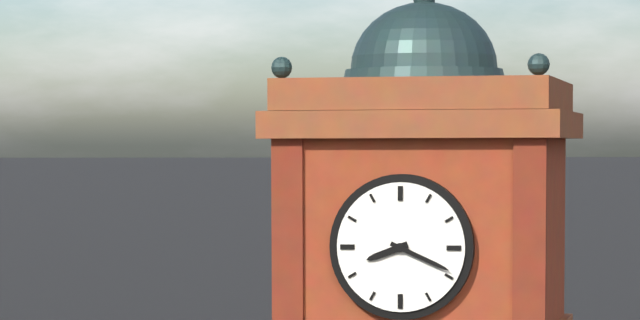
h=8 m=19
